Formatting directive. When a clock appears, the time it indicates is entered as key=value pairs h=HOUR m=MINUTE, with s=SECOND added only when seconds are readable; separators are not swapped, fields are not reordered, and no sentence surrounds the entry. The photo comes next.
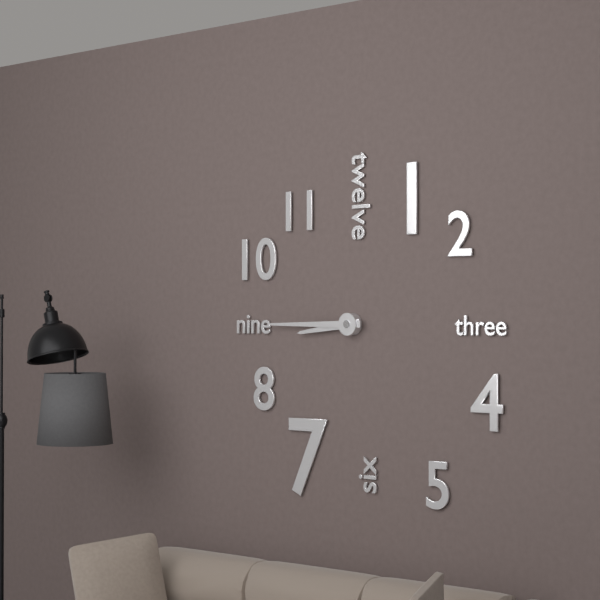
h=8 m=45
